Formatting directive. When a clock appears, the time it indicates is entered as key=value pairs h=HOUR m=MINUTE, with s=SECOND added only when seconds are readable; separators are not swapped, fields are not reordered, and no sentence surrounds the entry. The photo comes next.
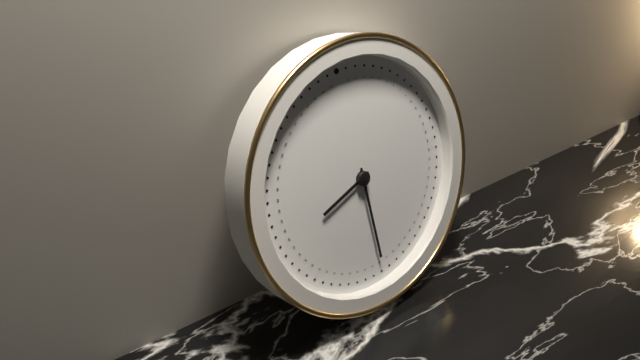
h=8 m=30
